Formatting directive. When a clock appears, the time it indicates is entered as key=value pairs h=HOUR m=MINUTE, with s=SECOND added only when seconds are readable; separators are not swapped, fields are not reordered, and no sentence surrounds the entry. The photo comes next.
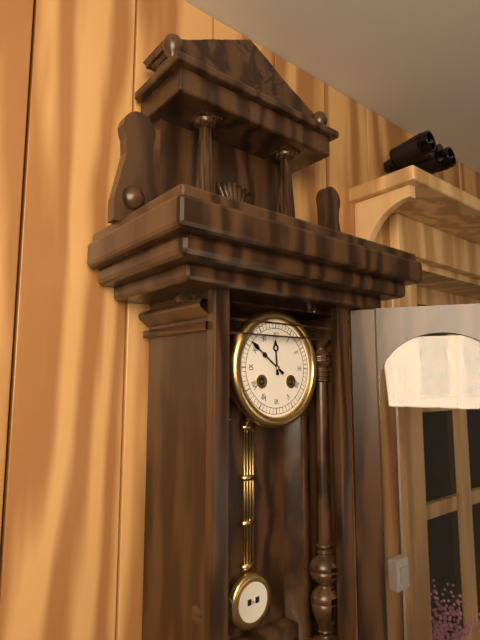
h=11 m=51
